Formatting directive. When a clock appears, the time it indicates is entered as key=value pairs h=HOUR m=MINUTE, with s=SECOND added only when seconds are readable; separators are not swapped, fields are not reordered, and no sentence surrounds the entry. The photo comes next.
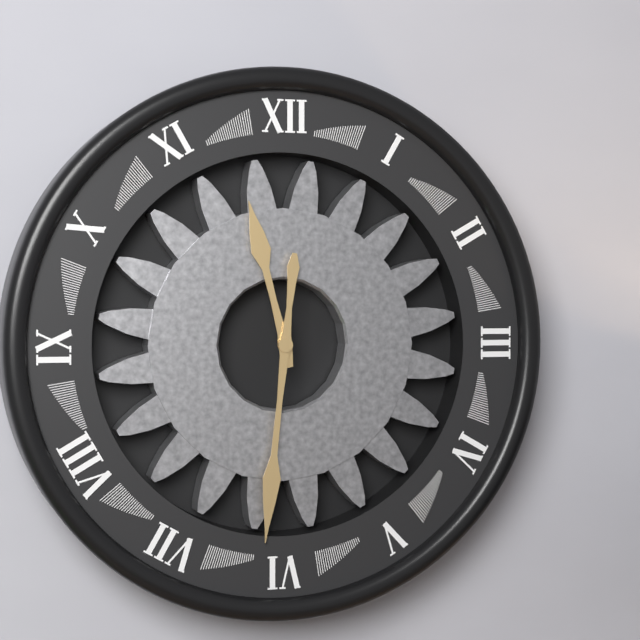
h=11 m=31
